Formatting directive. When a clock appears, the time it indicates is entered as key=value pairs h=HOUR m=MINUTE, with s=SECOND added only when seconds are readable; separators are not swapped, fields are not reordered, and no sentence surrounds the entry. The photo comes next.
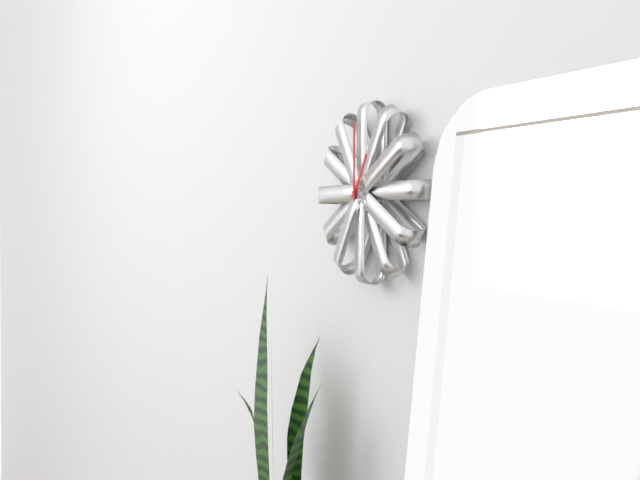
h=1 m=0
